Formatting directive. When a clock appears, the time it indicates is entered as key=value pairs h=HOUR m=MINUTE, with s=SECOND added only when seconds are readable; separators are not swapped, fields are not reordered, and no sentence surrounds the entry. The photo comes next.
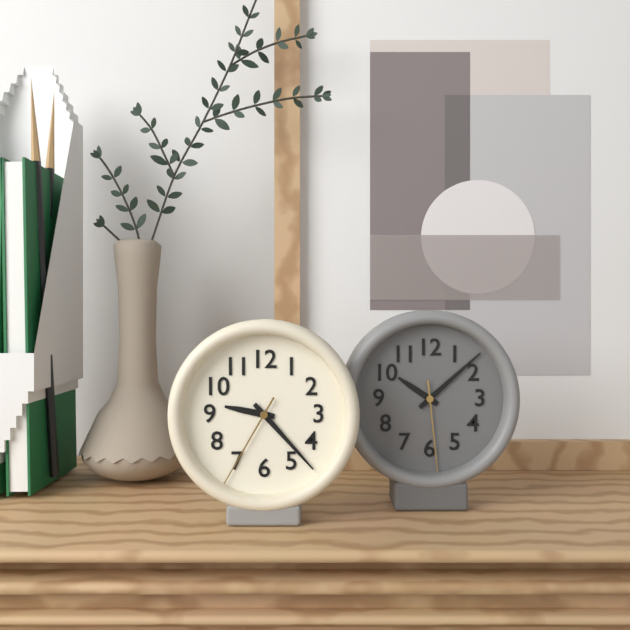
h=9 m=23 s=35
